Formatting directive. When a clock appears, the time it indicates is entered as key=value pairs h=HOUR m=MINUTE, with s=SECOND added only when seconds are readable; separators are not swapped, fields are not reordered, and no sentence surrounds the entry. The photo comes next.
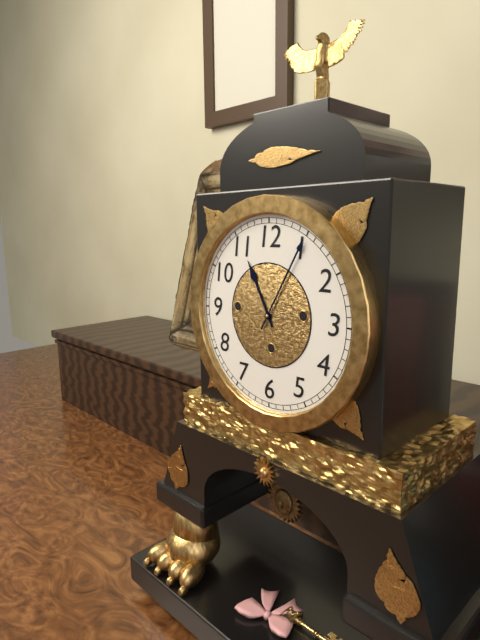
h=11 m=5
